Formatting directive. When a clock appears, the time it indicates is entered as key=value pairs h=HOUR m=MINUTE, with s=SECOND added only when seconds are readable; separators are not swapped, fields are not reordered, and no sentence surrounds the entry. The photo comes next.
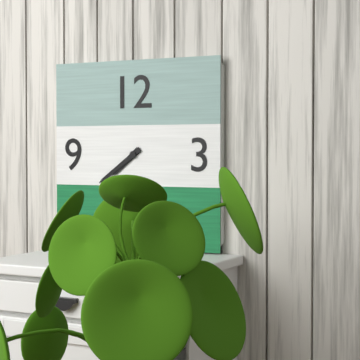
h=7 m=39
